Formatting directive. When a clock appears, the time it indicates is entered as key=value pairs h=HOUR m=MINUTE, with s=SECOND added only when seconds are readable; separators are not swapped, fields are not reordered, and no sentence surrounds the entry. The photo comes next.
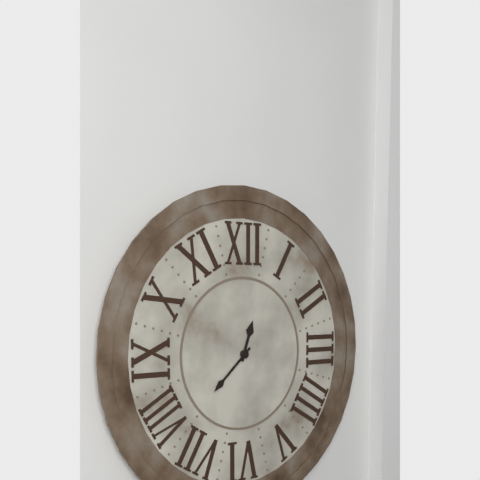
h=12 m=38
